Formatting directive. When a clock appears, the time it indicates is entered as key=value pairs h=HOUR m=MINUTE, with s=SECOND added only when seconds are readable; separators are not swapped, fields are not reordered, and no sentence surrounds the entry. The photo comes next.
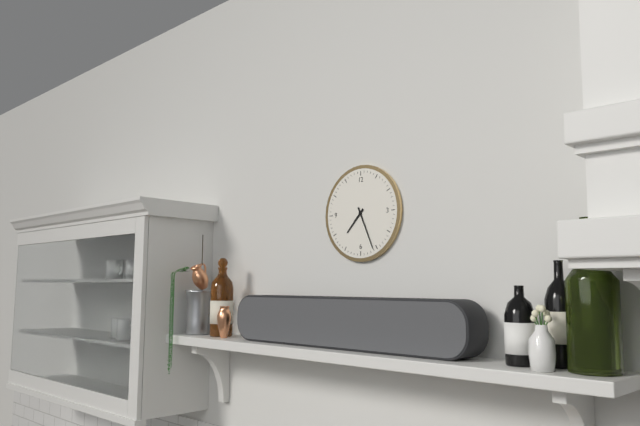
h=7 m=26
